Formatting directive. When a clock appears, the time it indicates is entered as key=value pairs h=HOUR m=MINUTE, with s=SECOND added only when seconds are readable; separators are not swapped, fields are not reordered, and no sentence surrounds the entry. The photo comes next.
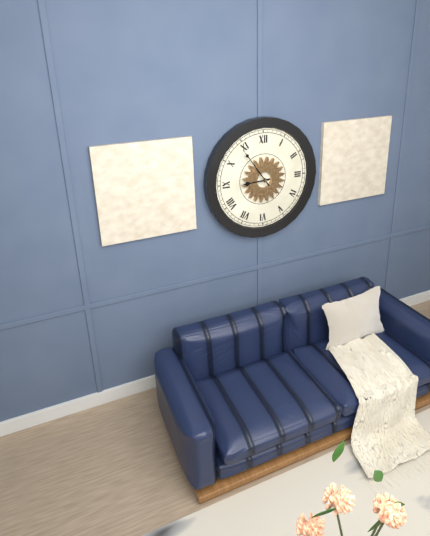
h=8 m=54
